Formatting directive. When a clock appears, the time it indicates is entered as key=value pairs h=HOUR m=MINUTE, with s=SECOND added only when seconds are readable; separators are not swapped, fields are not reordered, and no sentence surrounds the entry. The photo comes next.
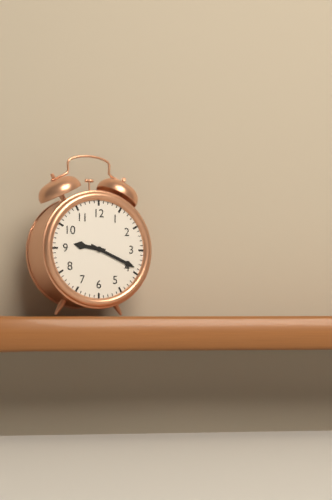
h=9 m=19
